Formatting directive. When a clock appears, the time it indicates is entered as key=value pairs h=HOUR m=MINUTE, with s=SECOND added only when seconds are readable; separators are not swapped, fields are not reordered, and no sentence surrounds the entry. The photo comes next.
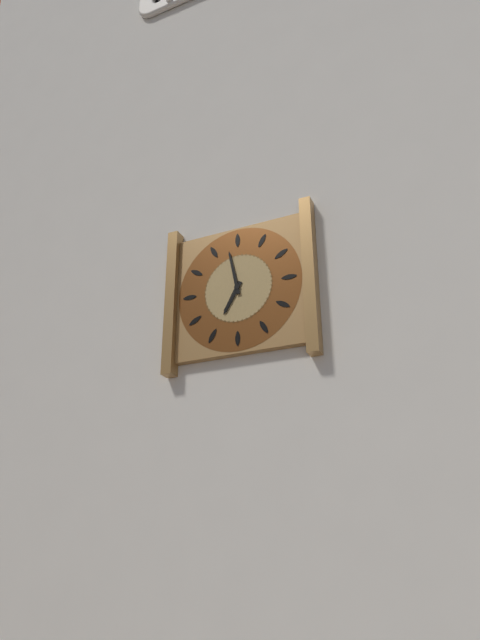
h=6 m=58
